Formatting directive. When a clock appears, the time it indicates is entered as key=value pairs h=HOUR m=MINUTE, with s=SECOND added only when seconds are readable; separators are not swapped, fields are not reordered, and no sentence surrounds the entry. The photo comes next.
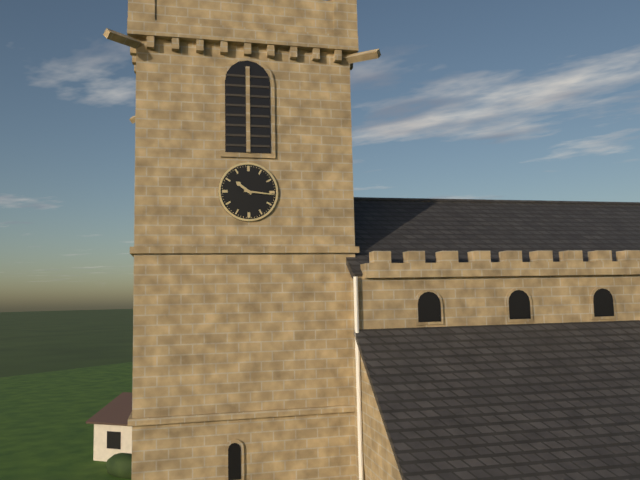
h=10 m=16
